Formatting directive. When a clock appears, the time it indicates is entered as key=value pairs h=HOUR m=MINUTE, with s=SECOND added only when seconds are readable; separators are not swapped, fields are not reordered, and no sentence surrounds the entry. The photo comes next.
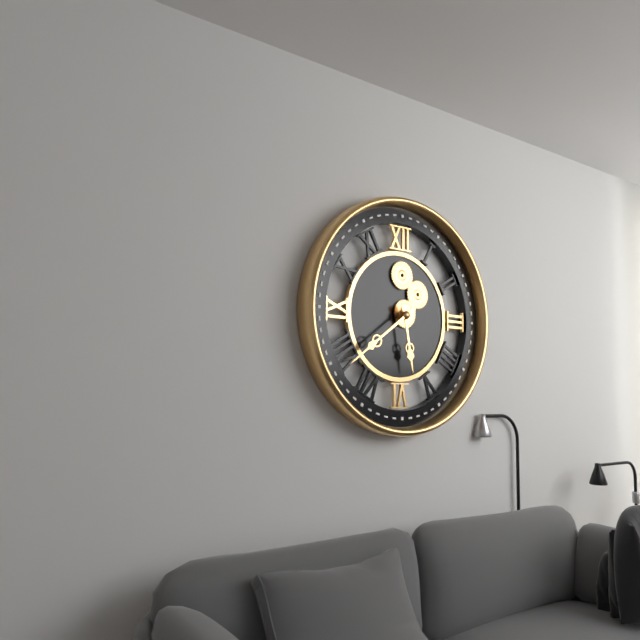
h=5 m=39
